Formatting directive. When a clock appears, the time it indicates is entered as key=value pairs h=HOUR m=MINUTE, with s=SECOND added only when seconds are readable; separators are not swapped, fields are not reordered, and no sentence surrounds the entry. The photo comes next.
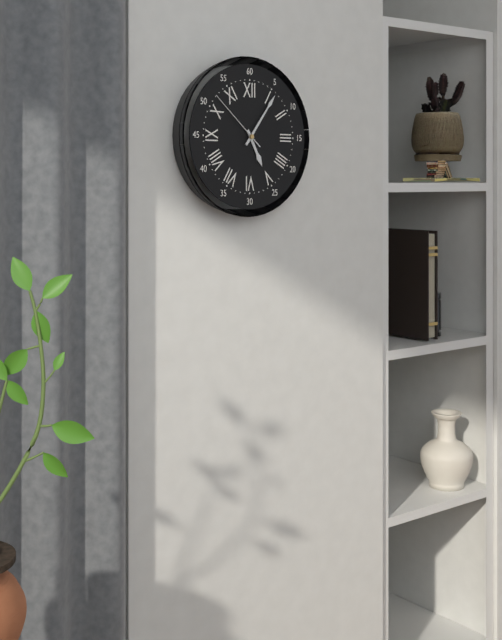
h=5 m=6 s=52
